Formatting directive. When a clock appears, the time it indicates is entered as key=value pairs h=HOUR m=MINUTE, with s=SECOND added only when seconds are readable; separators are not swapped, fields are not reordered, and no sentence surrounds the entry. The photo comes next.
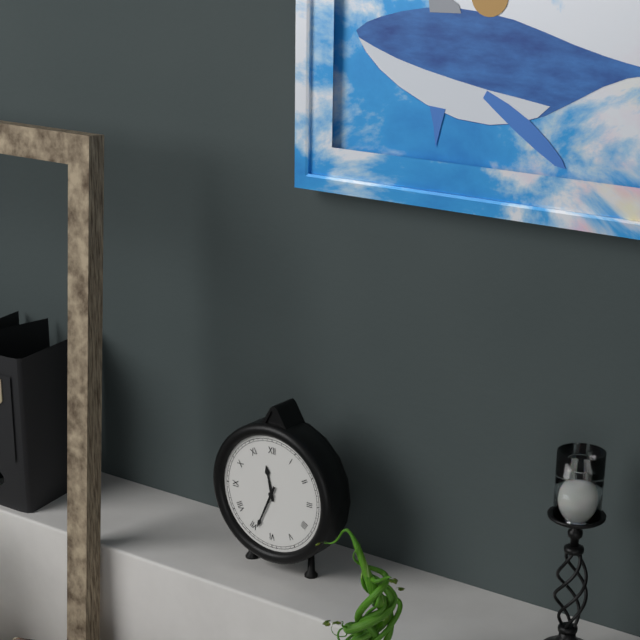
h=11 m=34
